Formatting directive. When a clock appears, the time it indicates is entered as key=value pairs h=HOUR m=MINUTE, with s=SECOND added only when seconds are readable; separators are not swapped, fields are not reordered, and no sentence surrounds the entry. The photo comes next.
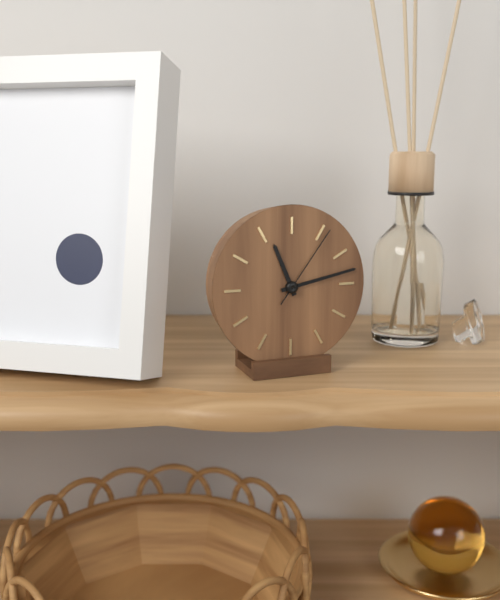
h=11 m=13 s=6
